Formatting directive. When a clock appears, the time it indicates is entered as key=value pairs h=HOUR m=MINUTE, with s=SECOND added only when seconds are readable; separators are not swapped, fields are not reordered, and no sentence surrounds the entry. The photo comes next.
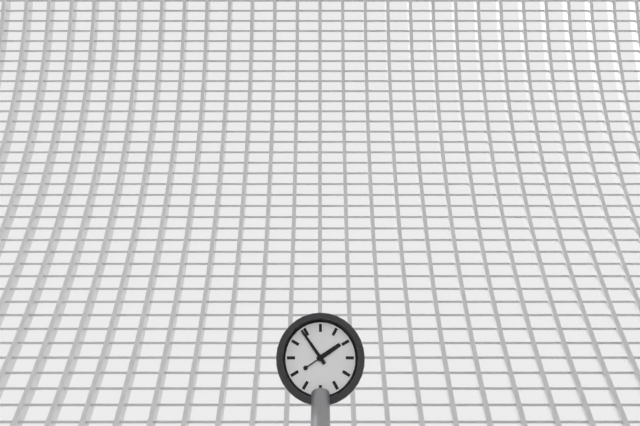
h=1 m=54
